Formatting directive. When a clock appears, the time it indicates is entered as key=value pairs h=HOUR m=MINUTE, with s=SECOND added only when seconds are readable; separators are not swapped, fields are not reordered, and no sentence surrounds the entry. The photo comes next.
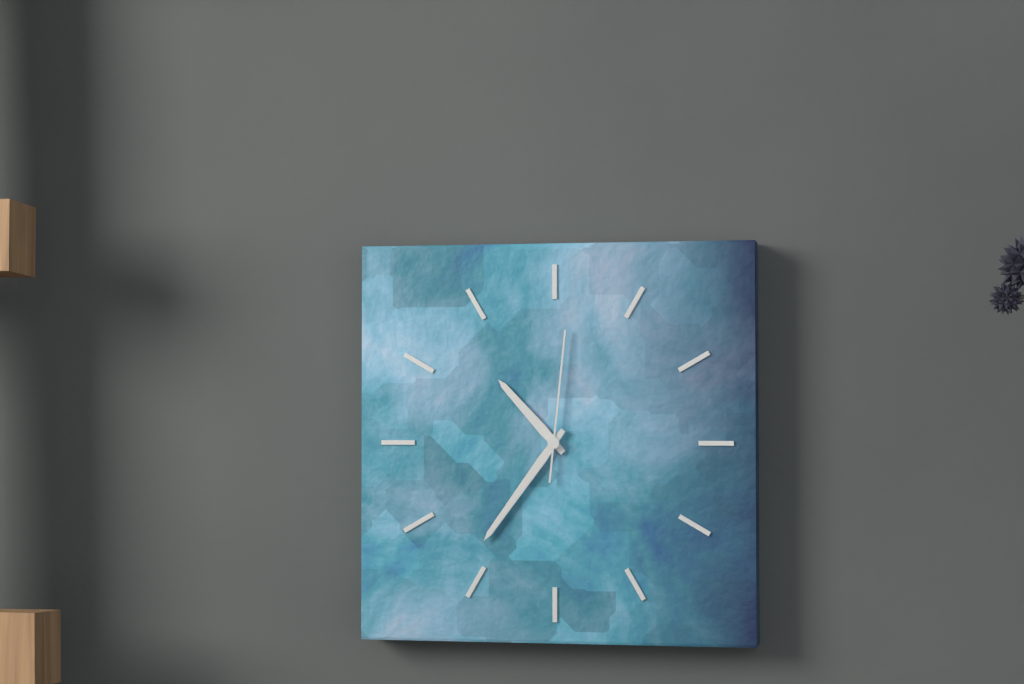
h=10 m=36 s=1
